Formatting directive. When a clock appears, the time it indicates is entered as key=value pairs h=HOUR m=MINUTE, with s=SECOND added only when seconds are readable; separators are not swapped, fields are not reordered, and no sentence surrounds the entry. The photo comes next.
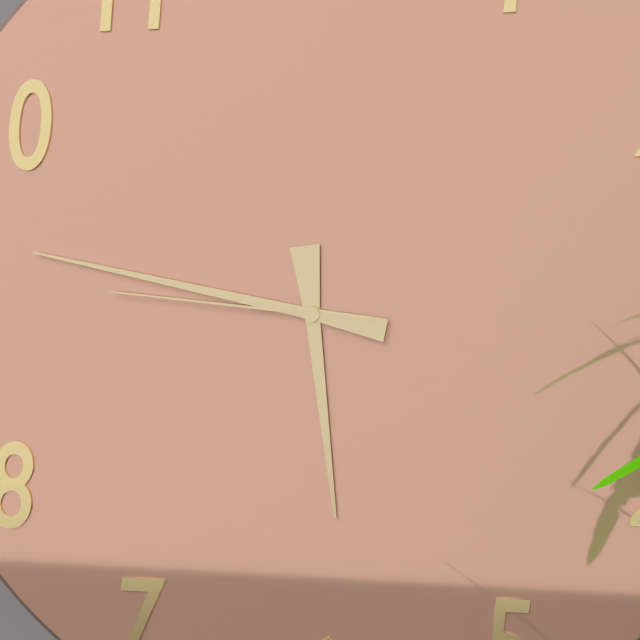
h=5 m=47 s=46
